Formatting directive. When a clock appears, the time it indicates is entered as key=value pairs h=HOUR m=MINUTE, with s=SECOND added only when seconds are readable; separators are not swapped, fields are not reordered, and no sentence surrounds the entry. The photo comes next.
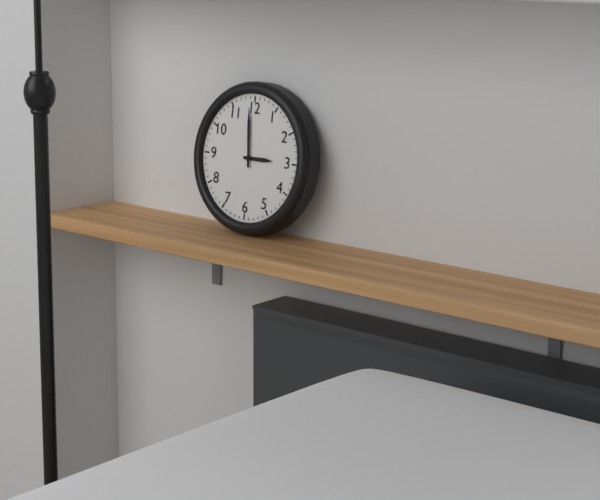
h=2 m=59
